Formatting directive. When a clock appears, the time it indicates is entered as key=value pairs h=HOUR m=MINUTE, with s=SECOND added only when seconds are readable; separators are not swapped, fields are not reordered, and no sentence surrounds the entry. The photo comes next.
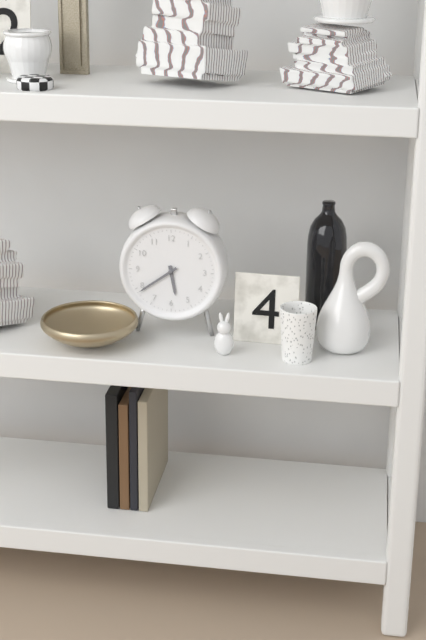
h=5 m=39
